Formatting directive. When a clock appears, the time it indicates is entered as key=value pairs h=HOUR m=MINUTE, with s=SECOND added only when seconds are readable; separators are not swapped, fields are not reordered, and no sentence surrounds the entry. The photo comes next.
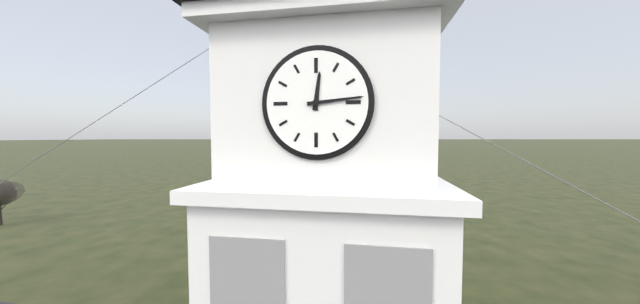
h=12 m=14
